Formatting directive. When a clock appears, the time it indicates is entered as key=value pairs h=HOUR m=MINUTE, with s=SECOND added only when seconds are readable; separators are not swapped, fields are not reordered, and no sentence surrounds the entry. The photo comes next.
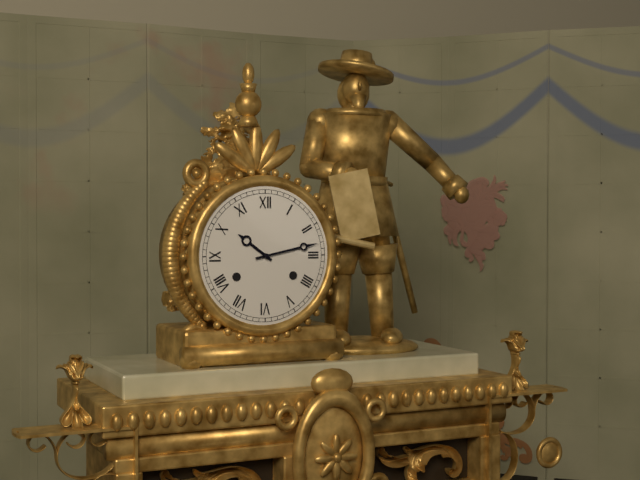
h=10 m=13
